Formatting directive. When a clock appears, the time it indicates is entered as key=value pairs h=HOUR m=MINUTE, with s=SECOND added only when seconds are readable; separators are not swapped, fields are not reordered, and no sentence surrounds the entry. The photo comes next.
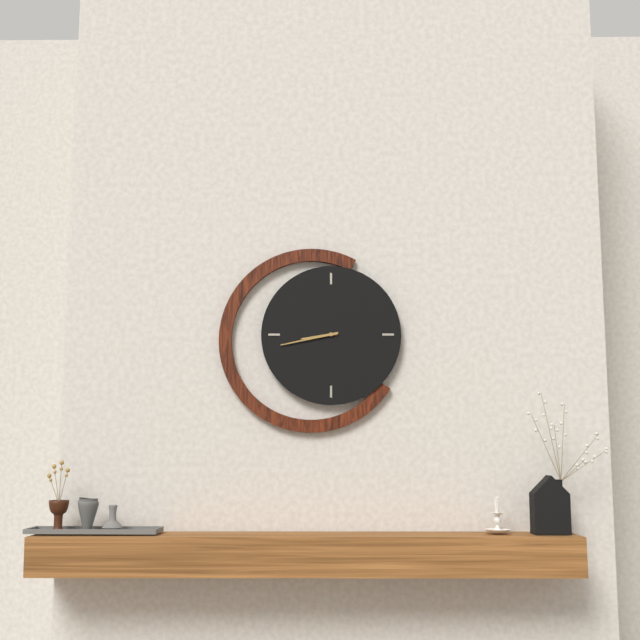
h=8 m=43
